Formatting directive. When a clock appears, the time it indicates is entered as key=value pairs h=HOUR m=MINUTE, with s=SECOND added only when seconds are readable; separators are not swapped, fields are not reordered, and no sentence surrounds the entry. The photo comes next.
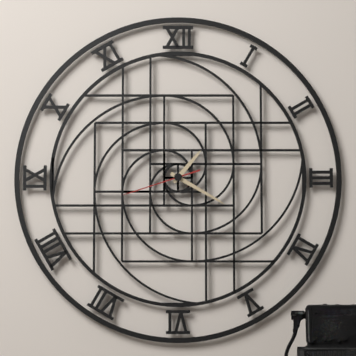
h=1 m=20 s=42
